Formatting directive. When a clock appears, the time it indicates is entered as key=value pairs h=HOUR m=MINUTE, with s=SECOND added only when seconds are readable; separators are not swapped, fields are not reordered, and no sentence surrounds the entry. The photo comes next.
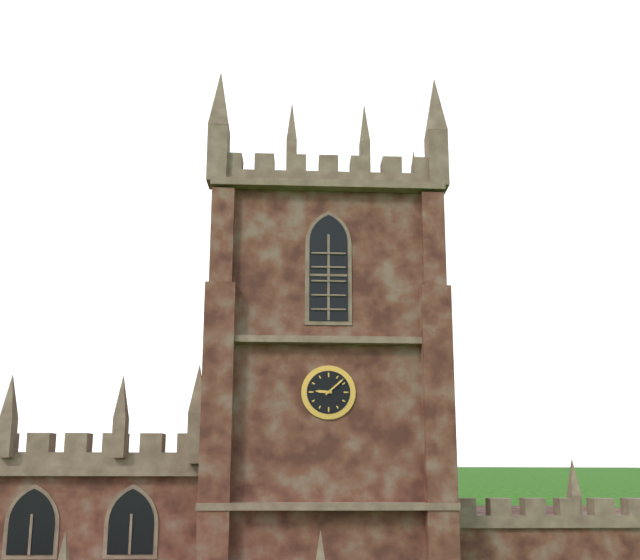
h=9 m=8
